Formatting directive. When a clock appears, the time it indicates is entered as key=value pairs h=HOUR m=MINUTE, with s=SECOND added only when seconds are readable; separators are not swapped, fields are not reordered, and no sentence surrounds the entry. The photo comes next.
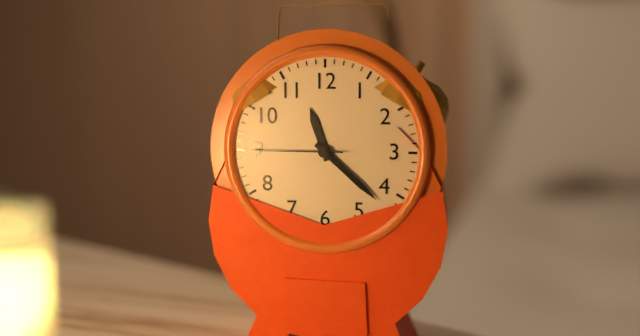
h=11 m=22 s=45
